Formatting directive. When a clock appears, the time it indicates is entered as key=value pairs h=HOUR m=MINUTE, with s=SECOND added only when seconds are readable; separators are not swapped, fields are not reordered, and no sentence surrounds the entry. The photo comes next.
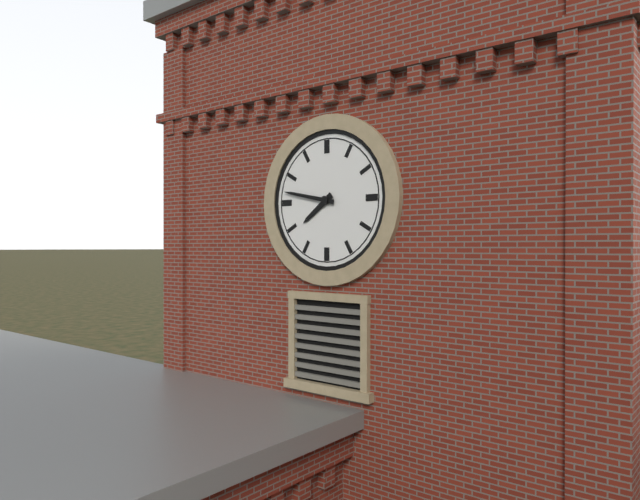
h=7 m=47
